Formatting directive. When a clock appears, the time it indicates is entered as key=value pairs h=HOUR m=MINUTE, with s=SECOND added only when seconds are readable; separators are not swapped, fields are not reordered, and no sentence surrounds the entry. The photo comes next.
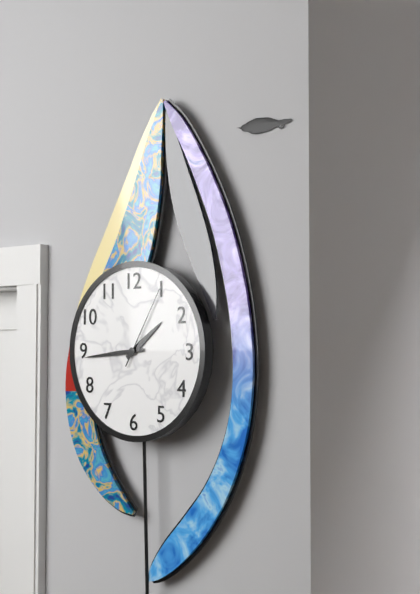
h=1 m=44 s=5
